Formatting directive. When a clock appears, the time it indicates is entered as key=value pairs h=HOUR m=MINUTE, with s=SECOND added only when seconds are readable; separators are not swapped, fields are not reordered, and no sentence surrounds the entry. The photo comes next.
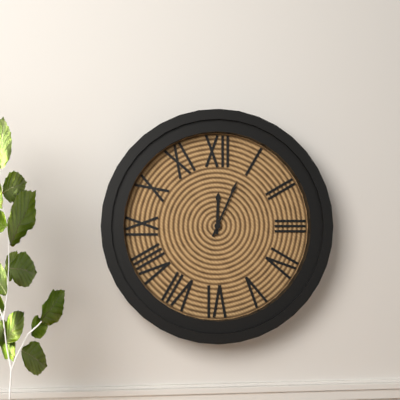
h=12 m=4
